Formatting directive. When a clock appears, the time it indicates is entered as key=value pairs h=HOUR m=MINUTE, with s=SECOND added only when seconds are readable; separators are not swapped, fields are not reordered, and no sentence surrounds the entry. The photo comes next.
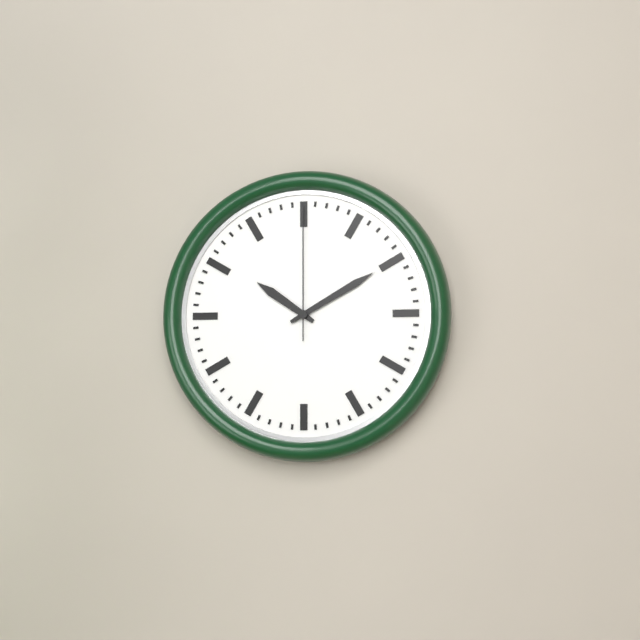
h=10 m=10 s=0
